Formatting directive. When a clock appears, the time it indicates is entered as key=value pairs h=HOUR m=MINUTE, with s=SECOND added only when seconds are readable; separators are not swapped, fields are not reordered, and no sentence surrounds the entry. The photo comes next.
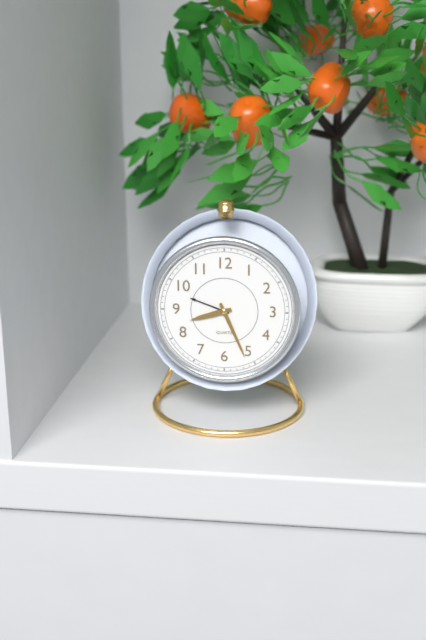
h=8 m=26
